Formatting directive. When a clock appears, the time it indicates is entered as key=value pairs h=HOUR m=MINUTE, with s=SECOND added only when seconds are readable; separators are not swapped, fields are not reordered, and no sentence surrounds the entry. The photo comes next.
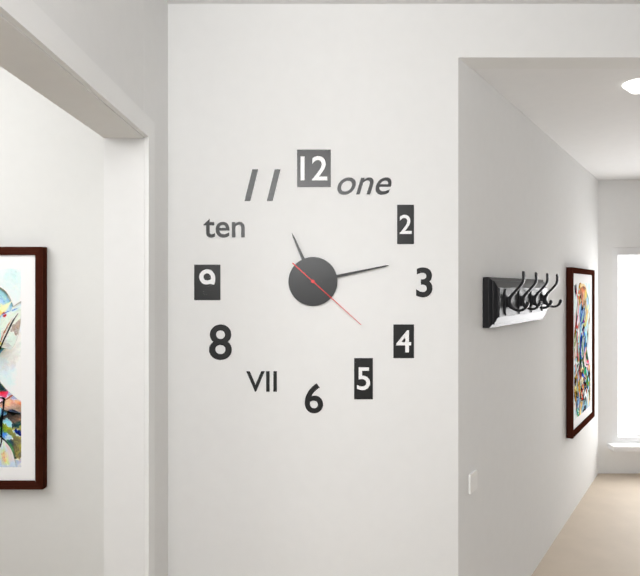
h=11 m=13 s=22
